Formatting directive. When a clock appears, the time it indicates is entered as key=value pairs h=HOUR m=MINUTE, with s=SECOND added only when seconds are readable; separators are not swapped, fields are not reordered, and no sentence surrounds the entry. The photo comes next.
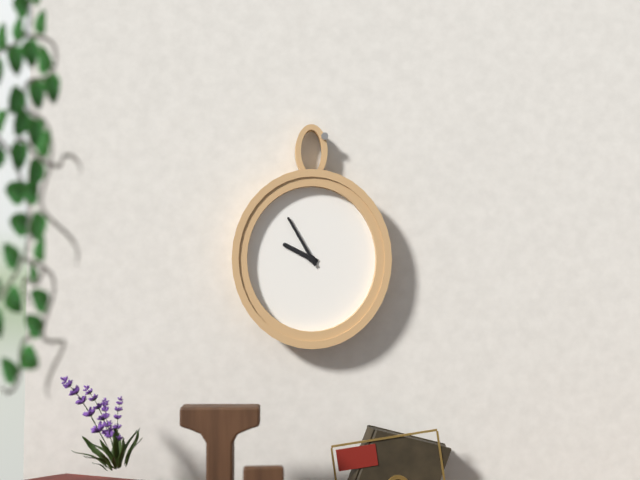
h=9 m=55
